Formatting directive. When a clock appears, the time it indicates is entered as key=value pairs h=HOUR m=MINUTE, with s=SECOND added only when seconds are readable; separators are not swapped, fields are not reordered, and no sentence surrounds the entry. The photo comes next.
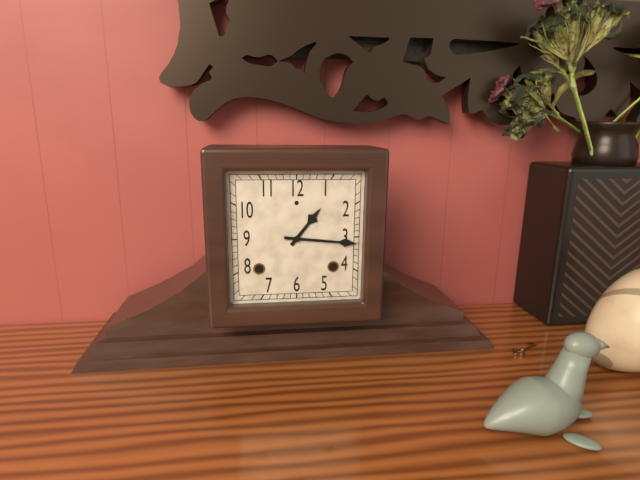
h=1 m=16
